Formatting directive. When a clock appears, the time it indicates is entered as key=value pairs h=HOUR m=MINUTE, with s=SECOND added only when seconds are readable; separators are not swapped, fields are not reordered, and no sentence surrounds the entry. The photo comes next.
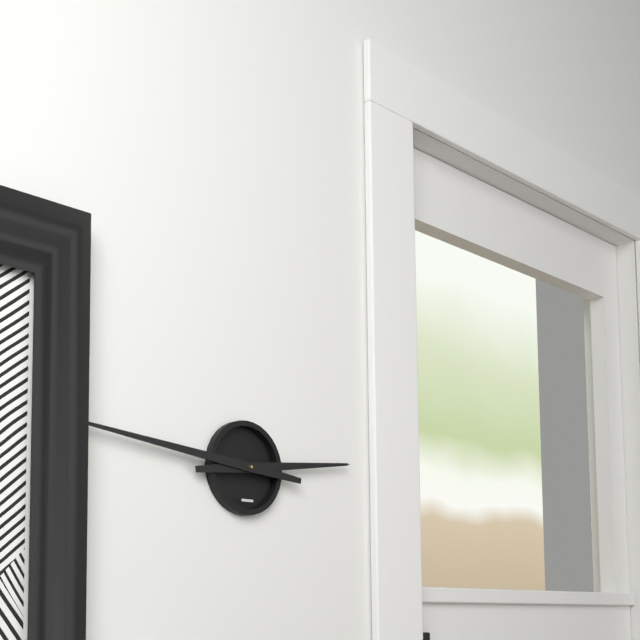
h=2 m=46
